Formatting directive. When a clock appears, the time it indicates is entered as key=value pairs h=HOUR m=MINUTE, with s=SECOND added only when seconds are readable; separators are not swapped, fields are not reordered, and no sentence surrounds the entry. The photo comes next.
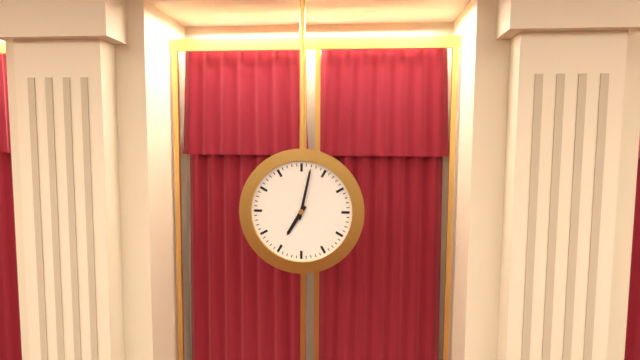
h=7 m=2
